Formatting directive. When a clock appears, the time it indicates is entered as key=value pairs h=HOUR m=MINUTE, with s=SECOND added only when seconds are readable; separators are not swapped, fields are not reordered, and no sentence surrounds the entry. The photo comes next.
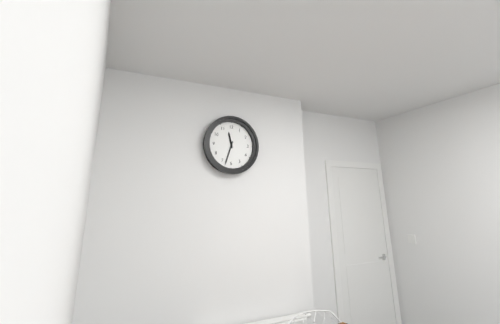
h=11 m=33
